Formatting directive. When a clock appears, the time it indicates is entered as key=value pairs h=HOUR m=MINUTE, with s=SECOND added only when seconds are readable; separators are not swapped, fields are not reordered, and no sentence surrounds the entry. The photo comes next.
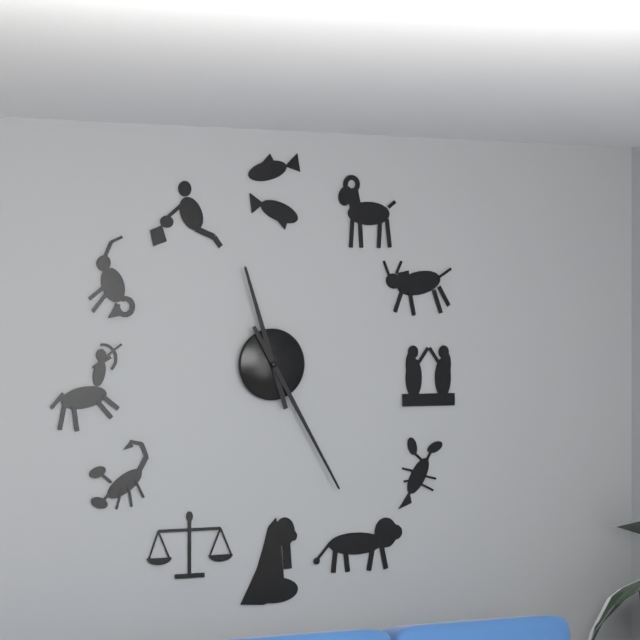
h=11 m=25
